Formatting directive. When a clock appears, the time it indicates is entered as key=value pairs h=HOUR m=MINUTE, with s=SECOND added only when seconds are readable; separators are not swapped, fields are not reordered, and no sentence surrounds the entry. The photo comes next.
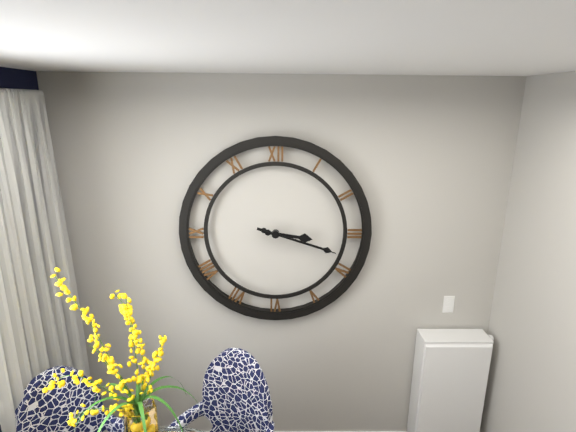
h=3 m=18 s=18
